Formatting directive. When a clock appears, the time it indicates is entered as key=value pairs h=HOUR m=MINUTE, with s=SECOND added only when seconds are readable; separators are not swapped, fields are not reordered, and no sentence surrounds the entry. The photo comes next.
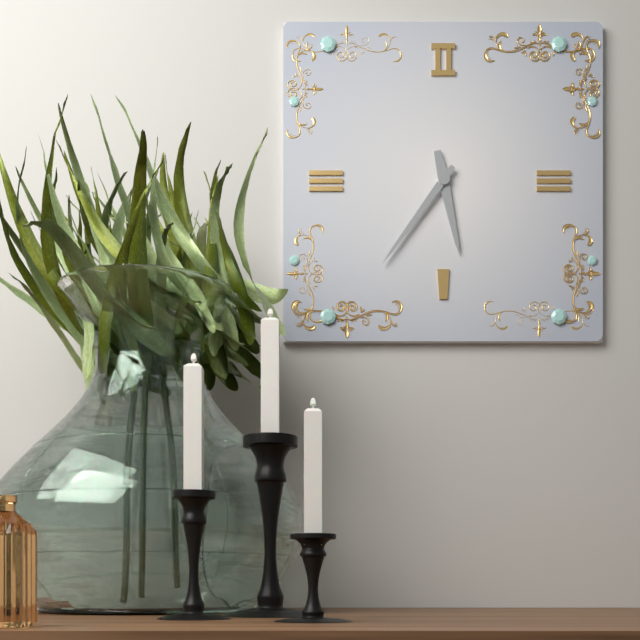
h=5 m=36
